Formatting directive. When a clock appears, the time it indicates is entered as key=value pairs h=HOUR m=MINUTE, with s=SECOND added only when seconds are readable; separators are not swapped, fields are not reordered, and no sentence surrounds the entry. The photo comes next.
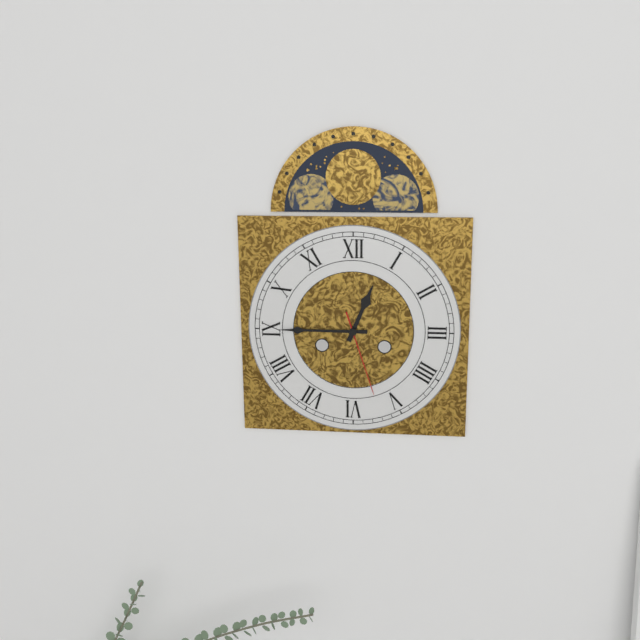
h=12 m=45 s=27
